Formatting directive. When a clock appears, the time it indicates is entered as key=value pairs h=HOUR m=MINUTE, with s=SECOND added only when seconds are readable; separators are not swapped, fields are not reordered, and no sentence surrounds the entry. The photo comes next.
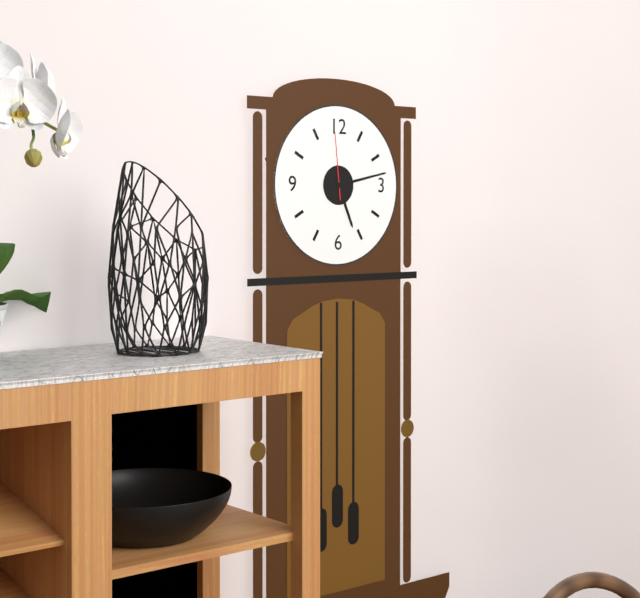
h=5 m=13 s=59
